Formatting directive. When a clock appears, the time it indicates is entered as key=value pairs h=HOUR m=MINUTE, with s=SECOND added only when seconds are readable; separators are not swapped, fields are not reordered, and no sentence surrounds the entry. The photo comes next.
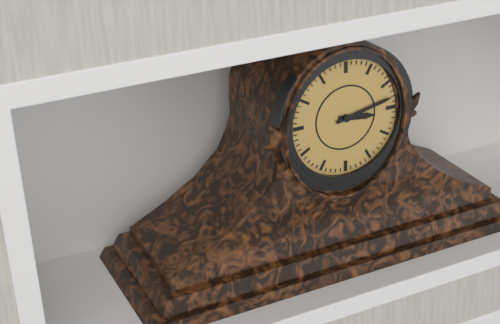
h=3 m=13
